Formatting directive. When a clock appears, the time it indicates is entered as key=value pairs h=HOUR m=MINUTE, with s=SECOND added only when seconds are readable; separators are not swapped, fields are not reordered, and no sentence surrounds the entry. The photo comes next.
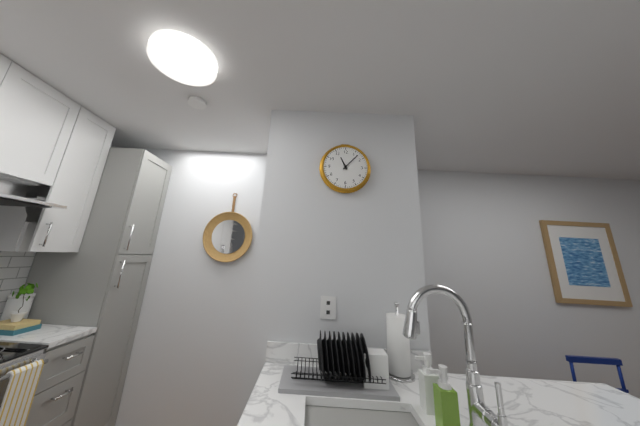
h=11 m=7
